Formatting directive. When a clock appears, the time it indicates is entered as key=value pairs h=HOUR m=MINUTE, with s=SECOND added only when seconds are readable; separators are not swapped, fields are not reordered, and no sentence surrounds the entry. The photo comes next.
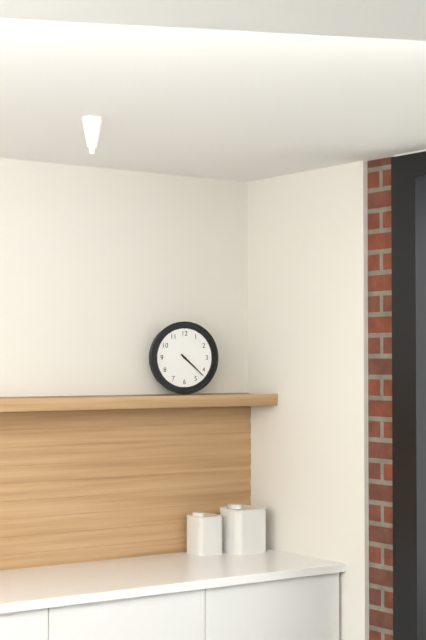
h=4 m=22
